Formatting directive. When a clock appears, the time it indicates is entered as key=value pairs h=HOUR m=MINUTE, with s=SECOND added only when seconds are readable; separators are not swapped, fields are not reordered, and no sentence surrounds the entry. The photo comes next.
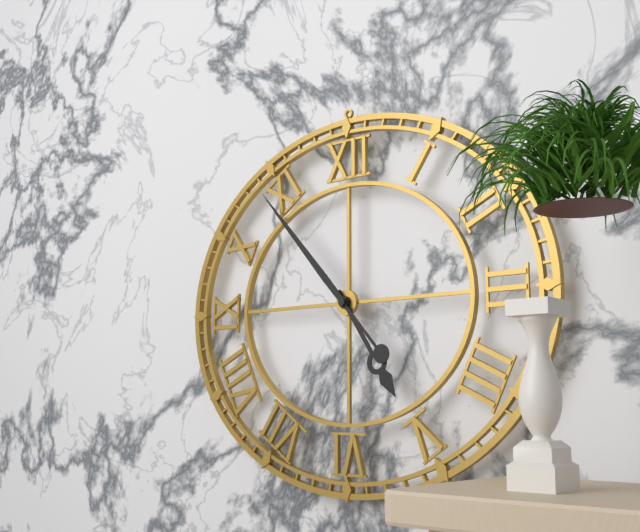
h=4 m=53
